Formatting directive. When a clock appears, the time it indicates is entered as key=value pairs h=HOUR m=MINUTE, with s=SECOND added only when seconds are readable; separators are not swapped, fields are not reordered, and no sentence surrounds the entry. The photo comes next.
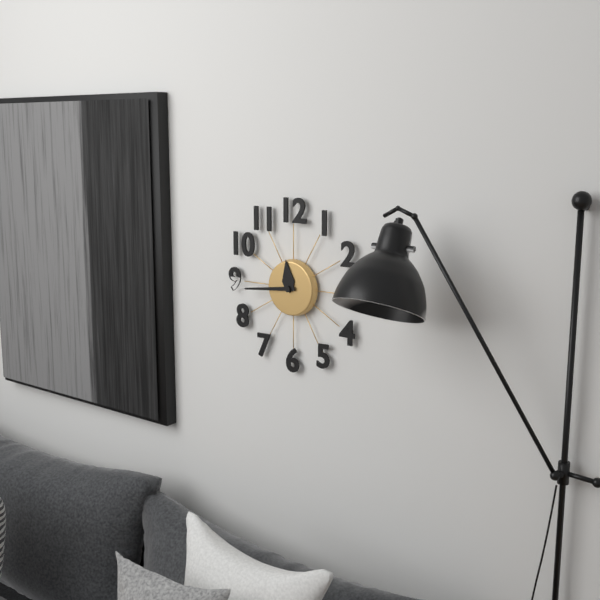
h=11 m=44
